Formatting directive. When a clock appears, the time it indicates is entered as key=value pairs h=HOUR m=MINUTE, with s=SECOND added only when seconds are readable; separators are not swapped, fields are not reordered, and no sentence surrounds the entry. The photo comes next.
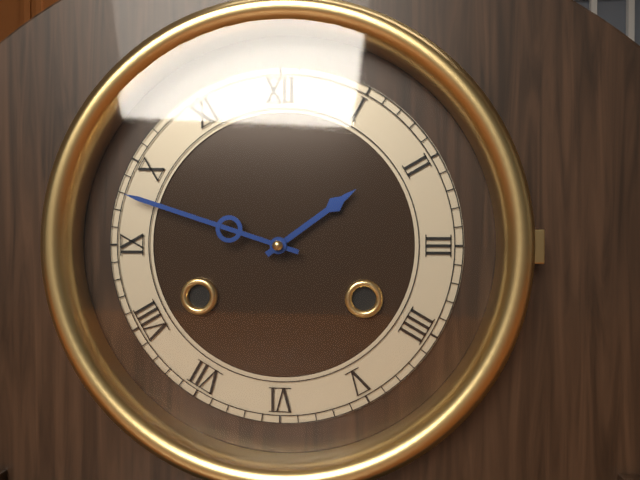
h=1 m=48
